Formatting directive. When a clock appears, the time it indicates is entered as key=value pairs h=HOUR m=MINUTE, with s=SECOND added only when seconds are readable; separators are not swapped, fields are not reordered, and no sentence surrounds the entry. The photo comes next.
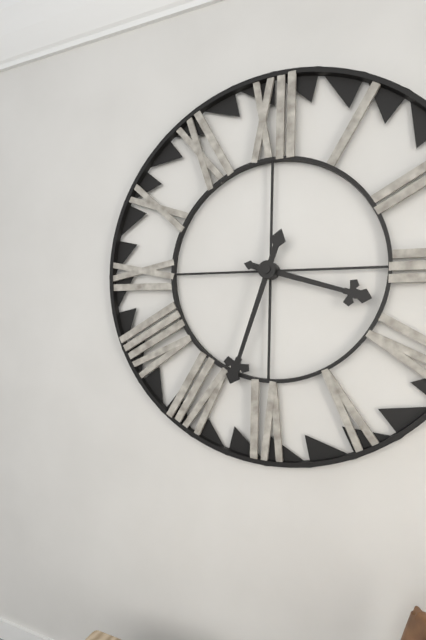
h=3 m=33
